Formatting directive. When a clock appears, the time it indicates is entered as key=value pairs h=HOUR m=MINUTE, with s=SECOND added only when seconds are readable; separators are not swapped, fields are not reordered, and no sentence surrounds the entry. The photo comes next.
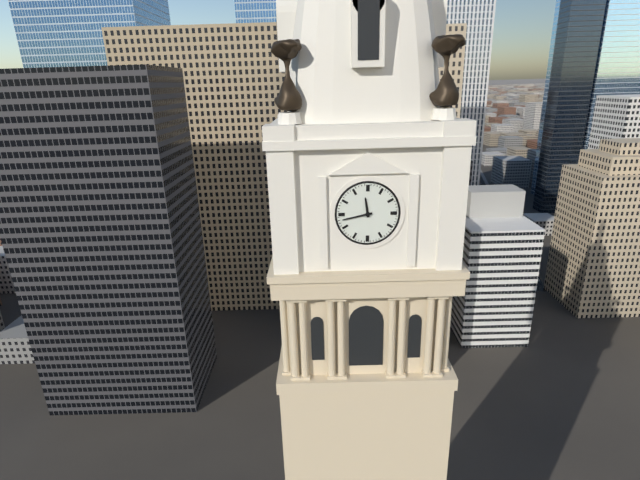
h=11 m=43
